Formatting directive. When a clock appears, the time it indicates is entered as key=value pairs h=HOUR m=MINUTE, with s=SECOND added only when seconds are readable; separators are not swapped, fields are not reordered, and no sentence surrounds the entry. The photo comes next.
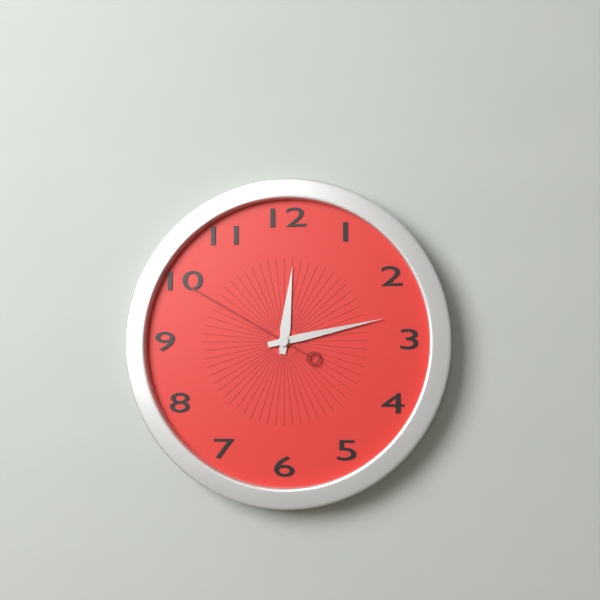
h=12 m=13 s=50
